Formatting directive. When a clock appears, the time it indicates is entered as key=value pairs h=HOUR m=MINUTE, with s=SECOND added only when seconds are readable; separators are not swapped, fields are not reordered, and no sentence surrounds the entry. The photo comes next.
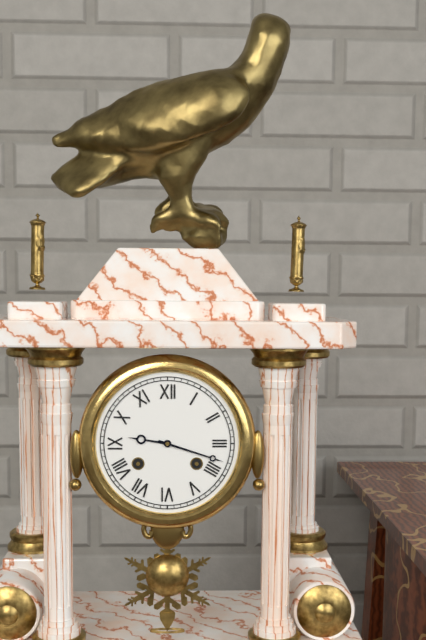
h=9 m=18
